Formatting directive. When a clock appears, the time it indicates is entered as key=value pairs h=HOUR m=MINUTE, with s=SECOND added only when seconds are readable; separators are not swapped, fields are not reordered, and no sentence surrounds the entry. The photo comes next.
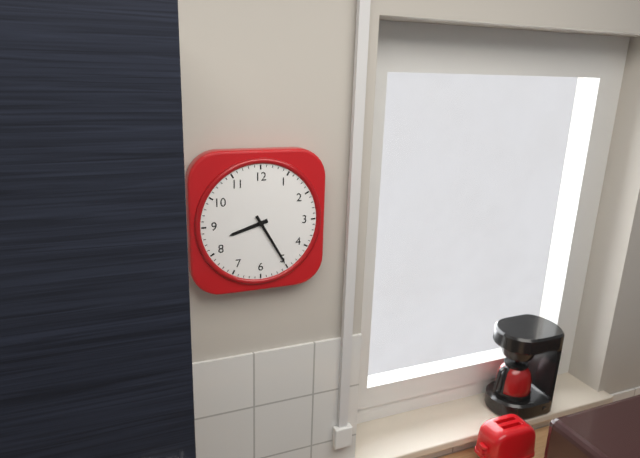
h=8 m=25
